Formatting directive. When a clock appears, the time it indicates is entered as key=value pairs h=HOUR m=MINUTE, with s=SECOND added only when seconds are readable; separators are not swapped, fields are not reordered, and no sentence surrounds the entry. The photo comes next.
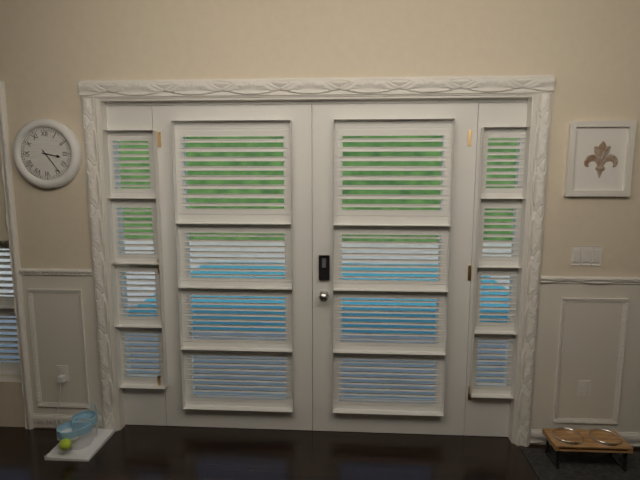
h=3 m=24
